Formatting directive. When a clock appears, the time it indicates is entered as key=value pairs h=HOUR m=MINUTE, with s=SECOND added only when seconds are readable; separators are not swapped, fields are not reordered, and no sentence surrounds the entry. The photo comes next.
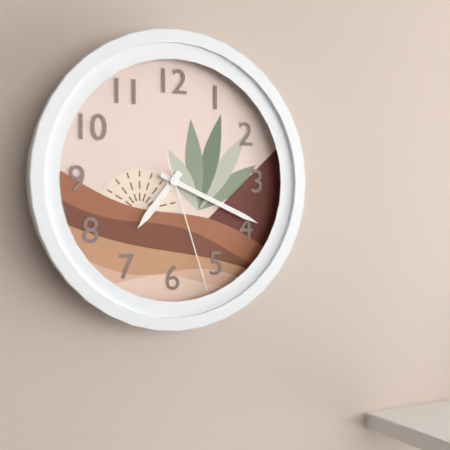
h=7 m=19 s=27
